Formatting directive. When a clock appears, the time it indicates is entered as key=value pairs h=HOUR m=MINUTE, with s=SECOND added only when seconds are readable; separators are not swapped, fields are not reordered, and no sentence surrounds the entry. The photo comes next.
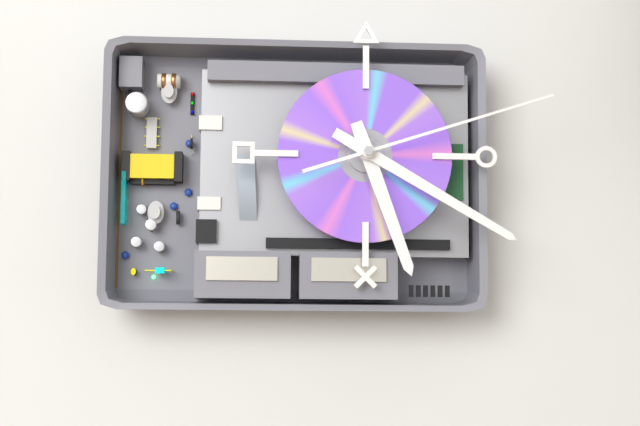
h=5 m=20 s=12
